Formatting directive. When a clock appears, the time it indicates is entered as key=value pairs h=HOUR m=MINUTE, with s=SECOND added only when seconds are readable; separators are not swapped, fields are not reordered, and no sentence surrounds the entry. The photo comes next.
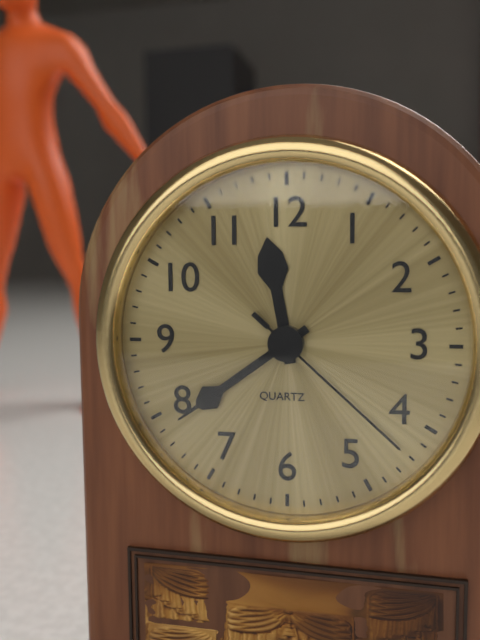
h=11 m=39 s=22
